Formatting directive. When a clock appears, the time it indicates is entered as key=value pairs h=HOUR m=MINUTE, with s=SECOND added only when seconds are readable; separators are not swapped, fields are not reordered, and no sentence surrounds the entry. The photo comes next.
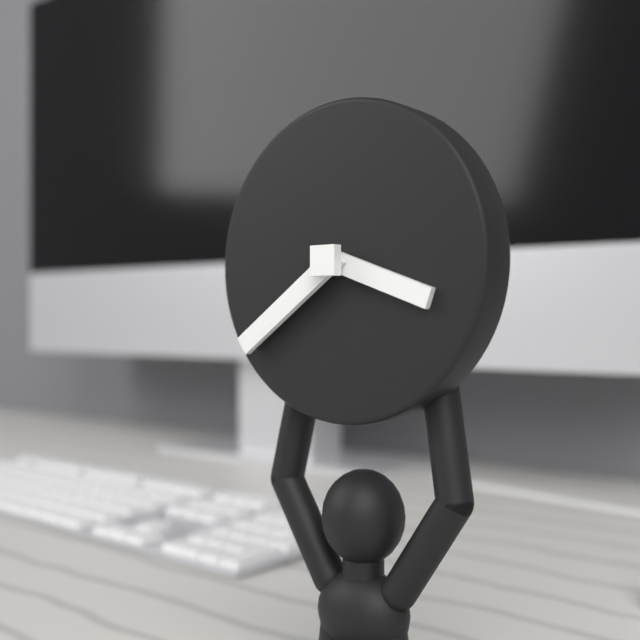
h=3 m=39
